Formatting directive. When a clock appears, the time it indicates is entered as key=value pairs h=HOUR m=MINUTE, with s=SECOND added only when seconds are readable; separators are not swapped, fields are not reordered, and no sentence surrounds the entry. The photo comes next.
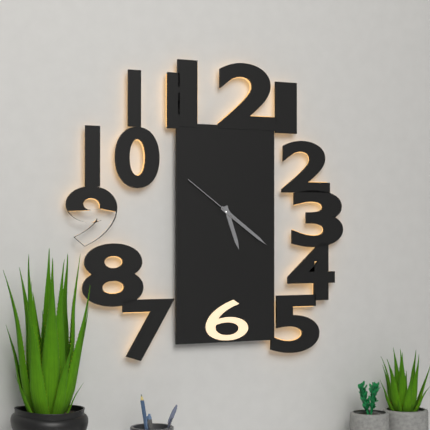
h=5 m=21 s=51
